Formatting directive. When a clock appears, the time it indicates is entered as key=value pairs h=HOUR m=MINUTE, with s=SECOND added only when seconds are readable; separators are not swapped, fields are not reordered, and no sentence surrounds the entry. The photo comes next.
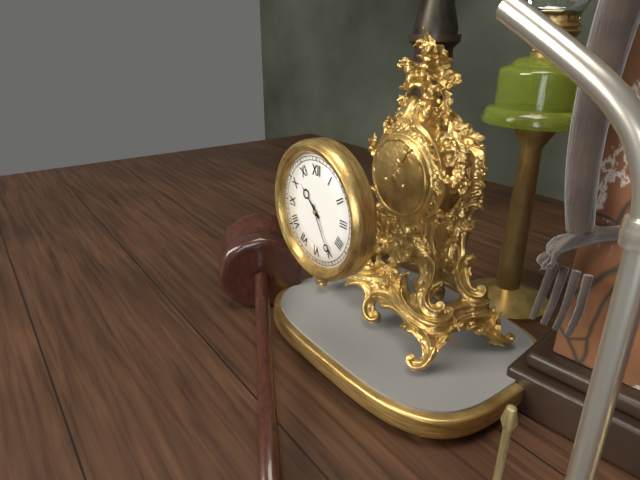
h=10 m=25
